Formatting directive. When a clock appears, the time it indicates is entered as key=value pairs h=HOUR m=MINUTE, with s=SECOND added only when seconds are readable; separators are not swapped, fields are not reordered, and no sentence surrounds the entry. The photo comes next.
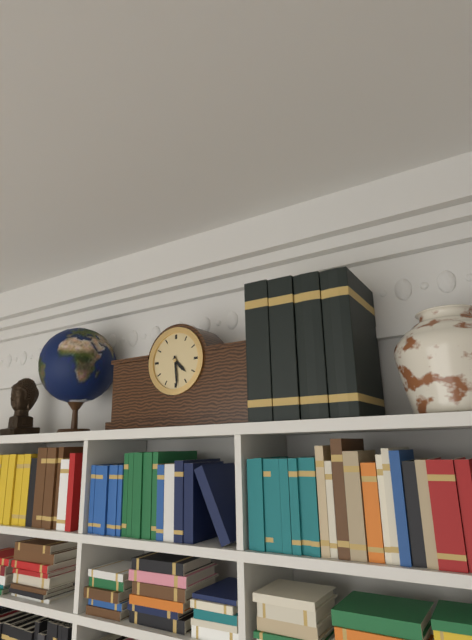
h=4 m=29
